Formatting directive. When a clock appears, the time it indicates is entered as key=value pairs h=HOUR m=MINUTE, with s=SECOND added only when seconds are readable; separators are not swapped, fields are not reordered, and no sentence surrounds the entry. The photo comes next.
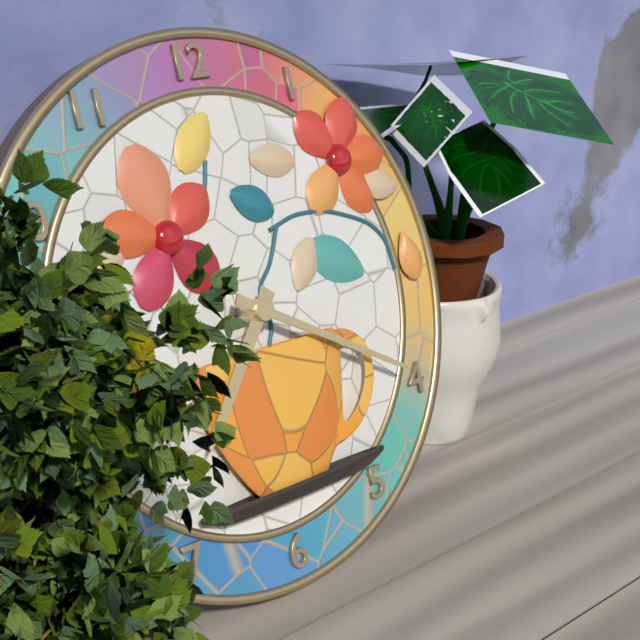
h=7 m=20
